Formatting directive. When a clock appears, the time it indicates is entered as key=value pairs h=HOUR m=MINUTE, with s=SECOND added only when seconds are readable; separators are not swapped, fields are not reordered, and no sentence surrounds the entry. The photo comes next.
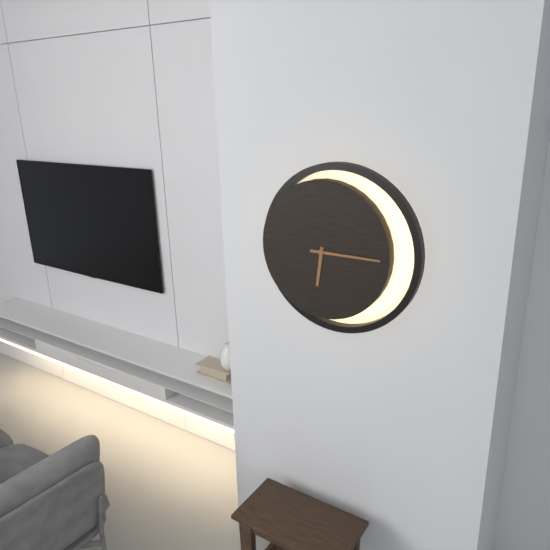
h=6 m=15
